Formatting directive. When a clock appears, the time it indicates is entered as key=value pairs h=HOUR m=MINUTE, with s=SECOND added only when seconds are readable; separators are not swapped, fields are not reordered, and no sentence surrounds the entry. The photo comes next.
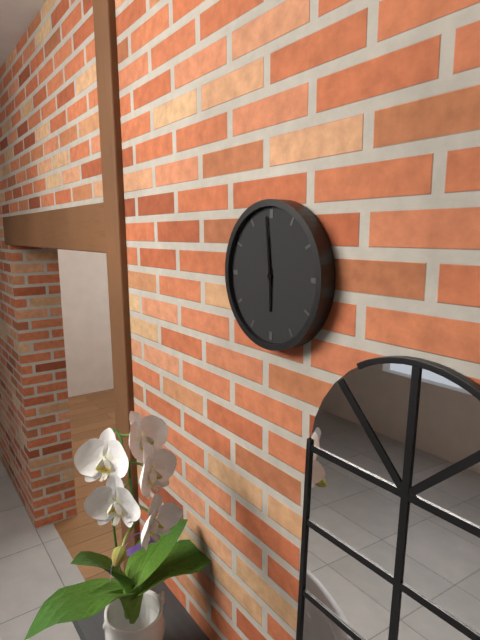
h=5 m=59
